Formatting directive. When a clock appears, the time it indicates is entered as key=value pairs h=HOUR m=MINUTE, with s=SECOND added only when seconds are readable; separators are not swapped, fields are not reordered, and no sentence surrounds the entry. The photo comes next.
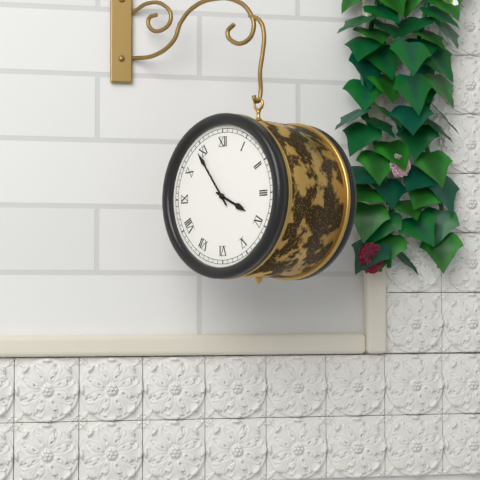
h=3 m=54
